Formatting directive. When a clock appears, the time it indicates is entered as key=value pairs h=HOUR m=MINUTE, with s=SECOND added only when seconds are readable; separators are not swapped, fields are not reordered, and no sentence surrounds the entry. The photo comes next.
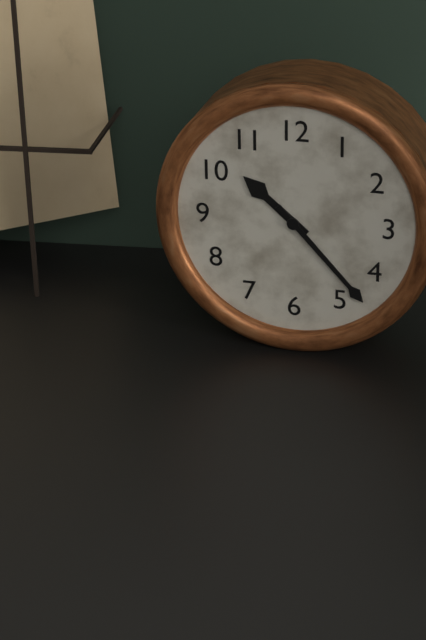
h=10 m=23
